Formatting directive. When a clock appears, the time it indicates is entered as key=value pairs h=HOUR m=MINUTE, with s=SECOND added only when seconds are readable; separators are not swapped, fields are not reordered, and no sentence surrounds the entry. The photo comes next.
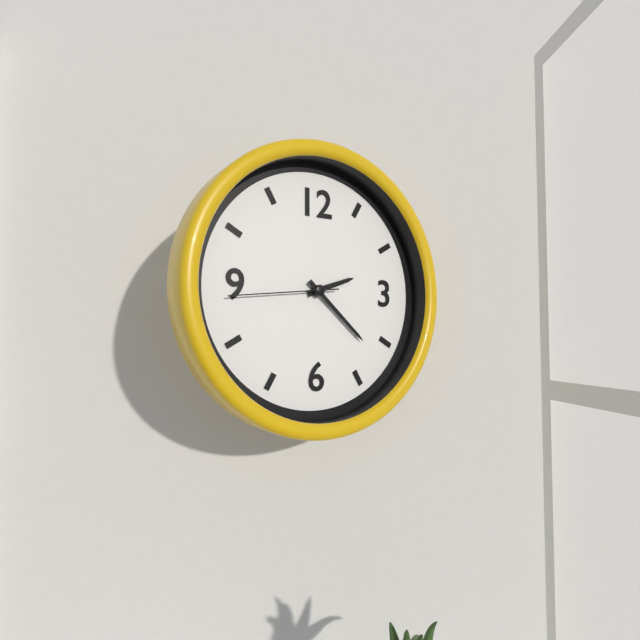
h=2 m=22 s=44
